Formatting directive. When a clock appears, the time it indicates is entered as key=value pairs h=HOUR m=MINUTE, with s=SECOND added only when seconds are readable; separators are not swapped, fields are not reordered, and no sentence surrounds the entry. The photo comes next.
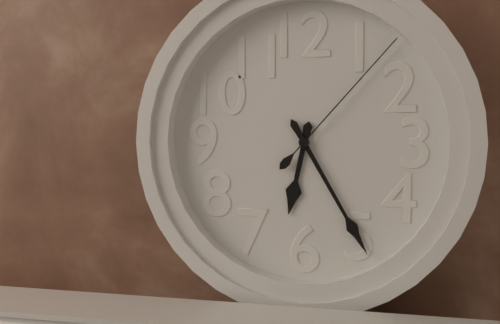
h=6 m=25 s=7
